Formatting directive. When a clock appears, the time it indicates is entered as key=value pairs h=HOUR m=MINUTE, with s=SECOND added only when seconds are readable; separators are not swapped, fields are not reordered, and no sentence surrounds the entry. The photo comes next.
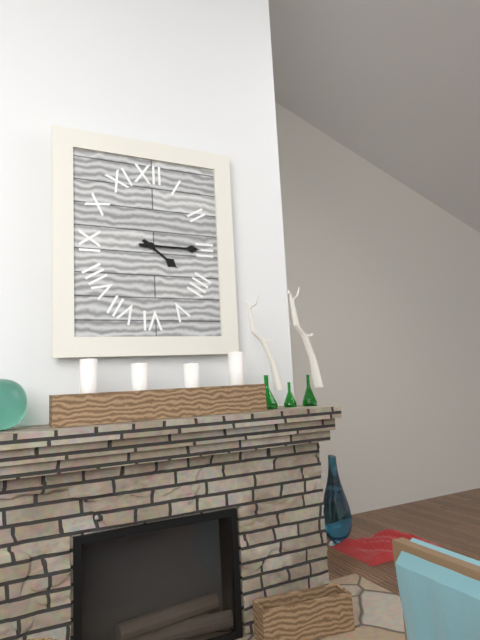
h=4 m=15
